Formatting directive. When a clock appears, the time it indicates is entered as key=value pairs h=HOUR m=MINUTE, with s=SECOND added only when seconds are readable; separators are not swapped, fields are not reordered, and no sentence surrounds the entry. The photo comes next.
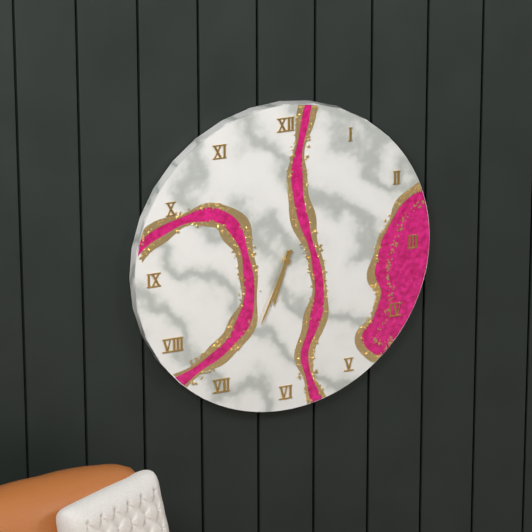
h=6 m=34
